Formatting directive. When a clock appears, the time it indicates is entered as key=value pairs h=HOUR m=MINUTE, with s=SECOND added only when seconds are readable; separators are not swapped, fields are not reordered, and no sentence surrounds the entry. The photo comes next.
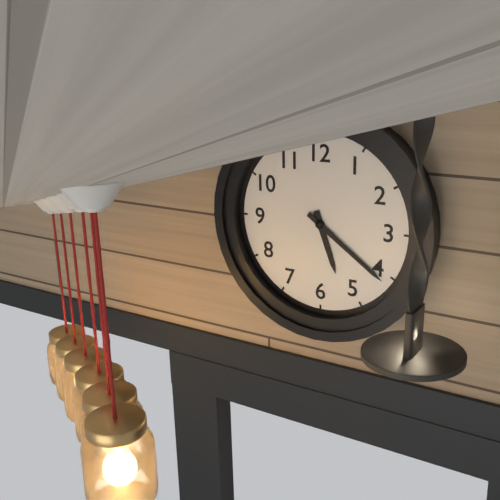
h=5 m=21
